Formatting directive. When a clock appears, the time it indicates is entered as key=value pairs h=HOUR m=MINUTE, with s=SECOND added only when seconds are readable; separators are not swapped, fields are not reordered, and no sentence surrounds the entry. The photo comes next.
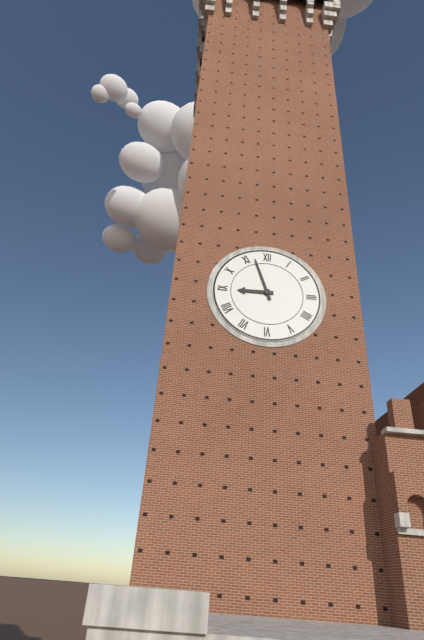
h=8 m=57
